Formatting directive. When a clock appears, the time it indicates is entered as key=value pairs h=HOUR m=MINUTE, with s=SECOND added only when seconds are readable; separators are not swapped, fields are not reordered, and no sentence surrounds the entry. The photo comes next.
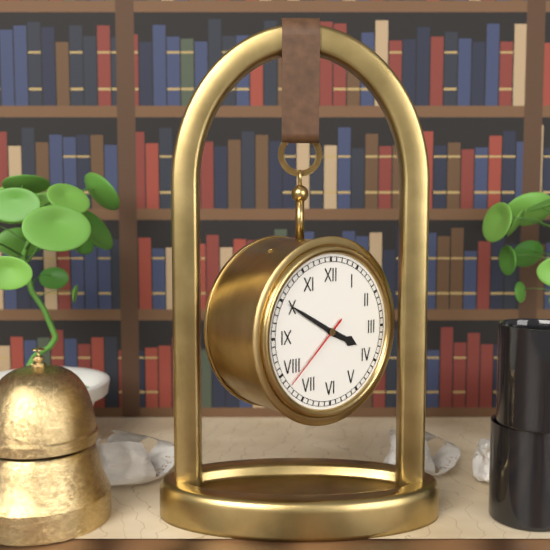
h=3 m=50 s=38
